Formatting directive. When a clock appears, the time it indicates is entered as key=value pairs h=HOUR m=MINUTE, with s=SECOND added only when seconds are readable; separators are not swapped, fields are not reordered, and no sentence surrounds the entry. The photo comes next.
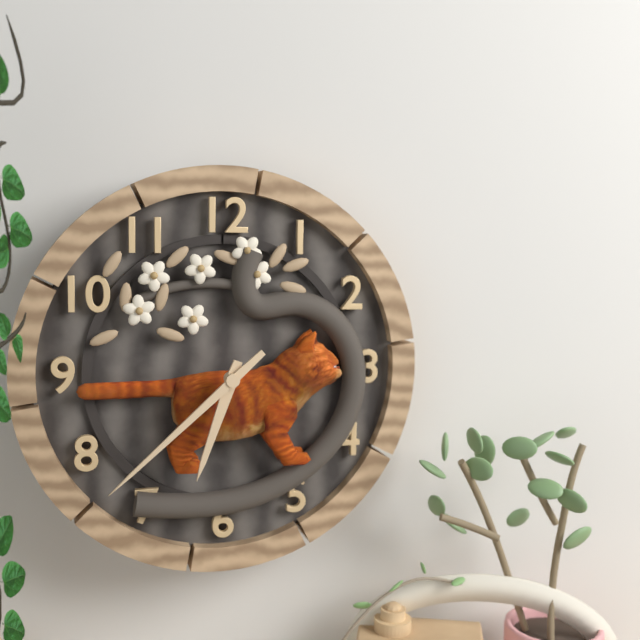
h=6 m=38
